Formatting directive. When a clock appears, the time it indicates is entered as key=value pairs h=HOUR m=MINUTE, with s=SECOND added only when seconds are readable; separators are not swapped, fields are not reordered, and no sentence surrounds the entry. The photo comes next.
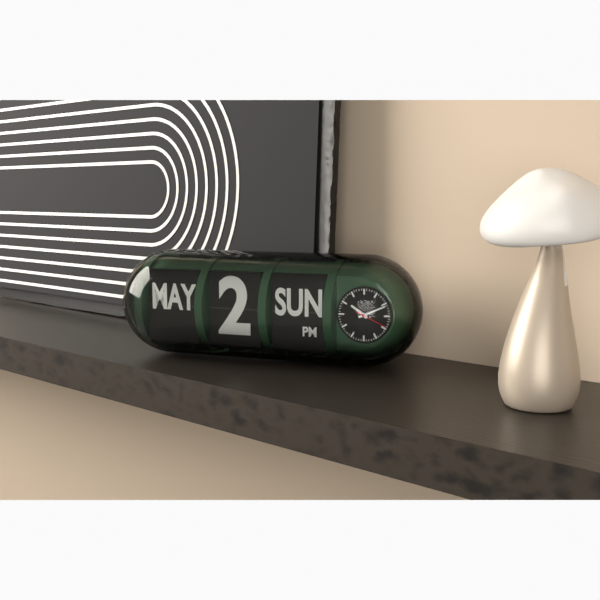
h=10 m=11
